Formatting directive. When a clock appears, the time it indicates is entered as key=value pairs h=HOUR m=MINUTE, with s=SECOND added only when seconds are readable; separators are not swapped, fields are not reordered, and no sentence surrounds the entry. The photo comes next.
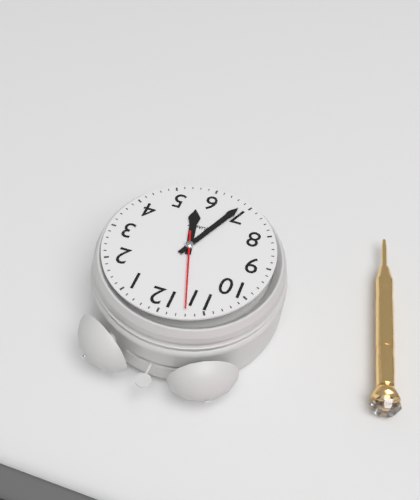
h=5 m=34 s=57
